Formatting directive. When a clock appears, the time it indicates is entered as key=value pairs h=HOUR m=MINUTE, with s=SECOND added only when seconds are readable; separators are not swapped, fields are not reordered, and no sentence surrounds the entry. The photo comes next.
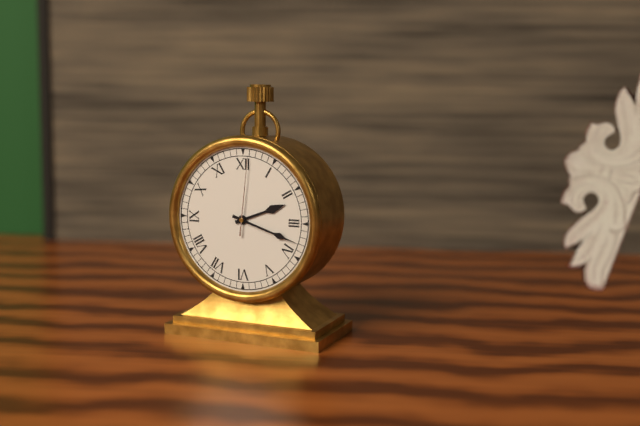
h=2 m=18 s=1
